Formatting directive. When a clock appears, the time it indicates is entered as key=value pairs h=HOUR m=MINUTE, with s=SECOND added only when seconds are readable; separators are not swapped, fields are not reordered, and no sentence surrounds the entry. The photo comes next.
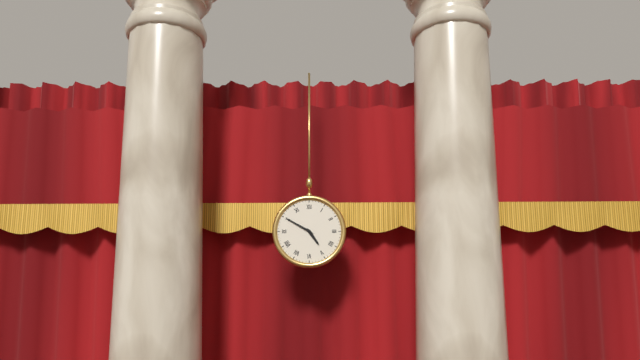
h=4 m=50
